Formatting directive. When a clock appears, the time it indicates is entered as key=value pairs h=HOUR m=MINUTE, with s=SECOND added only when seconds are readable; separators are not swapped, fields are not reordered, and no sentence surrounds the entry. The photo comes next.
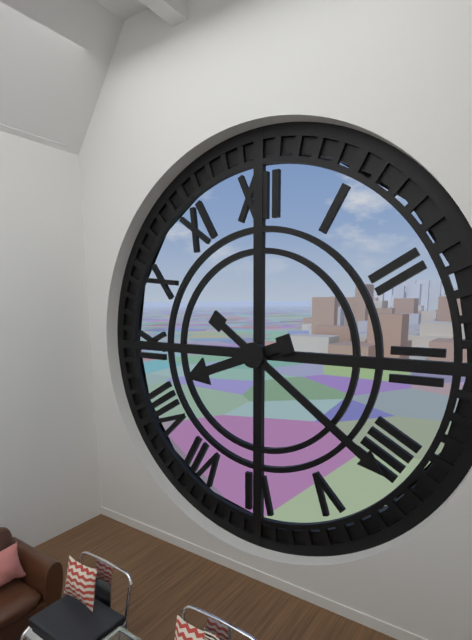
h=8 m=21
